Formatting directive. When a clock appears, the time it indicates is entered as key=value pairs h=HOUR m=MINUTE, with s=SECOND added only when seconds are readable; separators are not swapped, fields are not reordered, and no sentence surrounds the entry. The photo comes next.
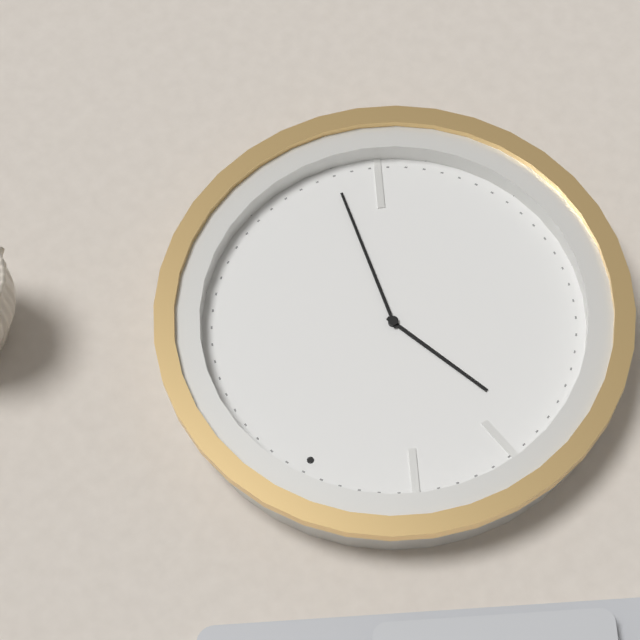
h=9 m=22
